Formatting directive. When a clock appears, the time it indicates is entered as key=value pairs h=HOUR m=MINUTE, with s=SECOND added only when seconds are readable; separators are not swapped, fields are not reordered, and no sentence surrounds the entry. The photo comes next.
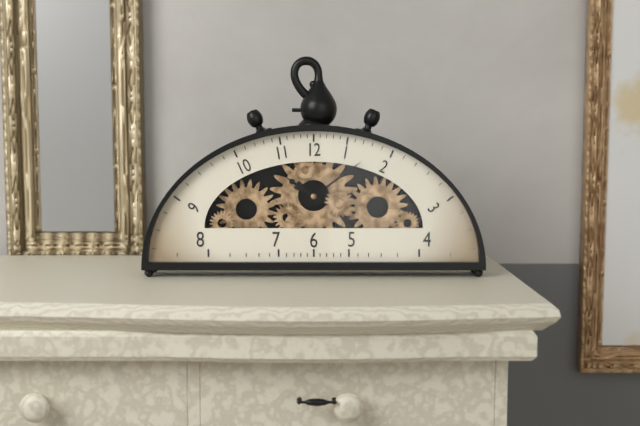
h=10 m=9
